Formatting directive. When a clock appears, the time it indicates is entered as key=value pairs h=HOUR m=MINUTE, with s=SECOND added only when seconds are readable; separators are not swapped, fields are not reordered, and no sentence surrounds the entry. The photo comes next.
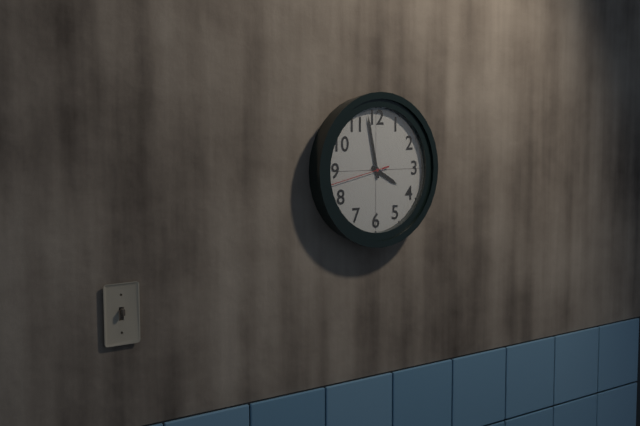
h=3 m=58 s=43
